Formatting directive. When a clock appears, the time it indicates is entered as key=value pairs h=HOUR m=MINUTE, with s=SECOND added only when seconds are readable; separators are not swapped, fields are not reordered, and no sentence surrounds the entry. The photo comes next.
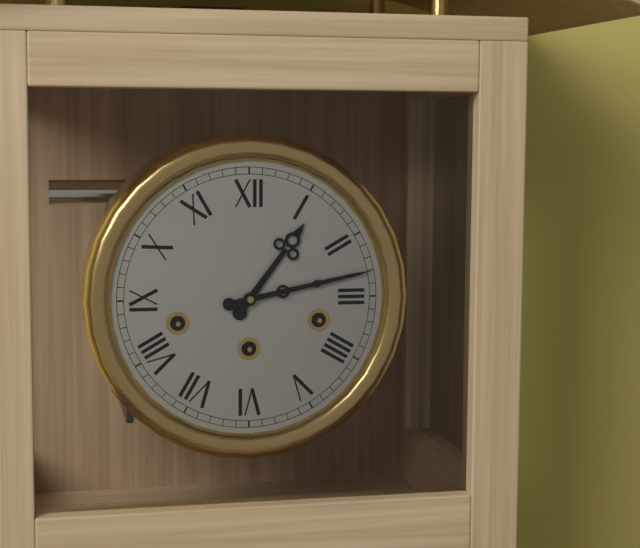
h=1 m=13
